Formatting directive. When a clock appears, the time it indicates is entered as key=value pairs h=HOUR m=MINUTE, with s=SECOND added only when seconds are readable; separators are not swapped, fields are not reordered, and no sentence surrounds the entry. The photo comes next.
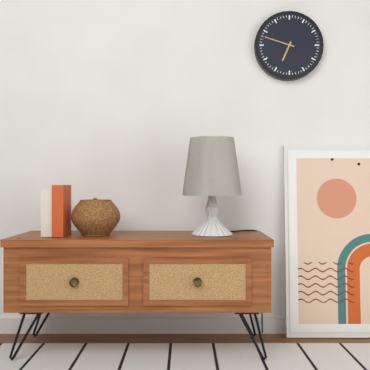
h=6 m=48
